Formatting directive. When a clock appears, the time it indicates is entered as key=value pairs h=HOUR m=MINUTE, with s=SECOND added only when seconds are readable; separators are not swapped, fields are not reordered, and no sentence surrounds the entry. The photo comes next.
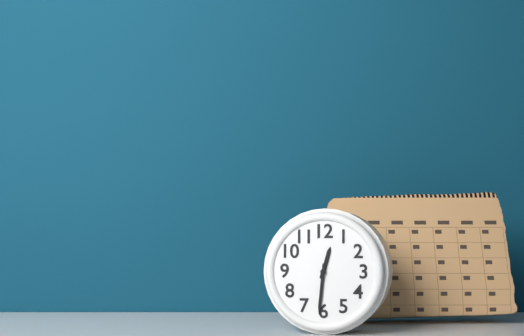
h=12 m=31
